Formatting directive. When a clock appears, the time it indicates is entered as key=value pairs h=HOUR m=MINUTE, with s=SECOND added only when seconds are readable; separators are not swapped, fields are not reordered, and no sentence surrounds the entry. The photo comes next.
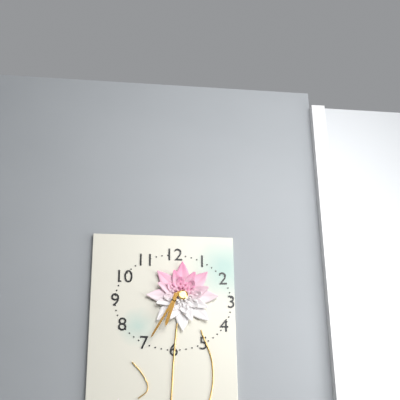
h=6 m=35
